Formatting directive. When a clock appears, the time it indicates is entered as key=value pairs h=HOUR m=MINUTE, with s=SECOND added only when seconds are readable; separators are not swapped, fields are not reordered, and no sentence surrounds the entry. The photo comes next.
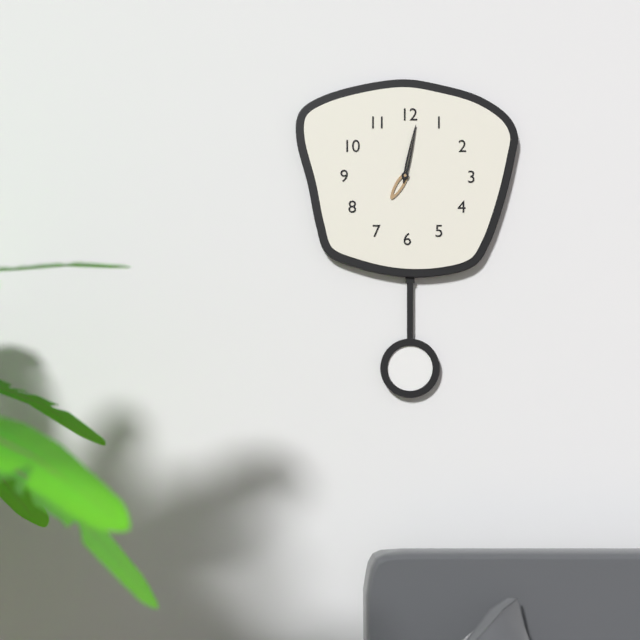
h=7 m=2
